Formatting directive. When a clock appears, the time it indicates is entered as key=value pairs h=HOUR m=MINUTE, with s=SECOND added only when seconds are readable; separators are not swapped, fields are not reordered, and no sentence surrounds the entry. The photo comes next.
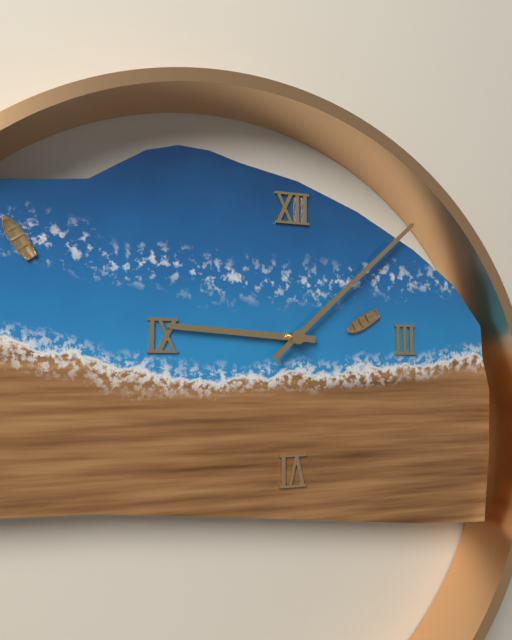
h=9 m=8
